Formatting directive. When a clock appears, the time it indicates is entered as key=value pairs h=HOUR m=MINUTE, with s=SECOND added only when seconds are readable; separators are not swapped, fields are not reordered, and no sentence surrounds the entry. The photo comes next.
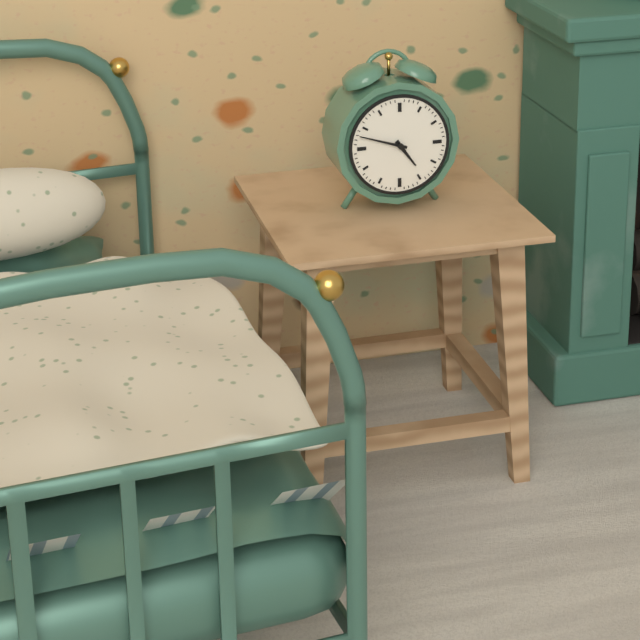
h=4 m=48
